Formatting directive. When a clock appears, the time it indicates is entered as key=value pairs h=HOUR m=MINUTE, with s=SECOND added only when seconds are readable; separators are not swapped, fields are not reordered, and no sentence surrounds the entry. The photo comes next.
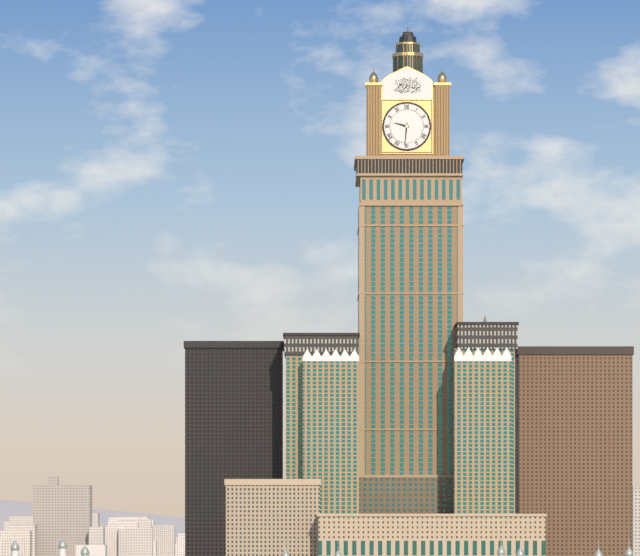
h=9 m=31
